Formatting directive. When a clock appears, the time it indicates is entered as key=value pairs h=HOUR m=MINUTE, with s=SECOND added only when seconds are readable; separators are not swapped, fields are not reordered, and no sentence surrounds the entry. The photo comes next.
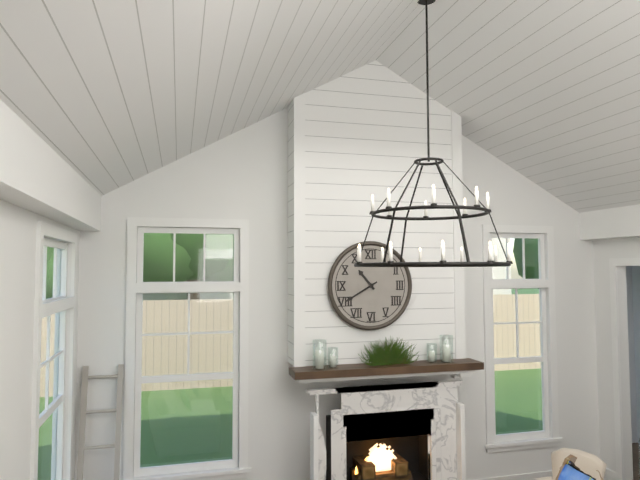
h=10 m=40
